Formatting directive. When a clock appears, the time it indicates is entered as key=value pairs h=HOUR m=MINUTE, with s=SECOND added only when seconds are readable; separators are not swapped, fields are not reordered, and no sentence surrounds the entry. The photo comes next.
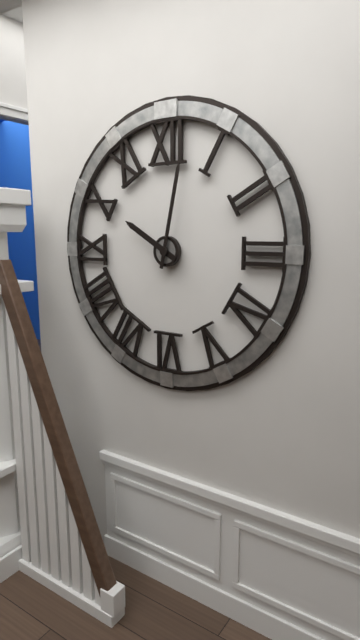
h=10 m=2
